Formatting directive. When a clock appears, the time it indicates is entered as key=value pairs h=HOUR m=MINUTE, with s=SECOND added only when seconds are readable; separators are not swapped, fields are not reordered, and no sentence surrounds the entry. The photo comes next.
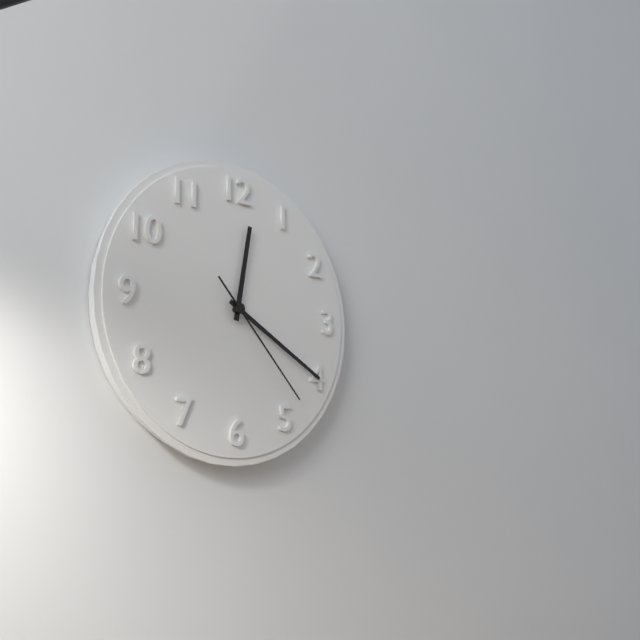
h=12 m=20 s=23
